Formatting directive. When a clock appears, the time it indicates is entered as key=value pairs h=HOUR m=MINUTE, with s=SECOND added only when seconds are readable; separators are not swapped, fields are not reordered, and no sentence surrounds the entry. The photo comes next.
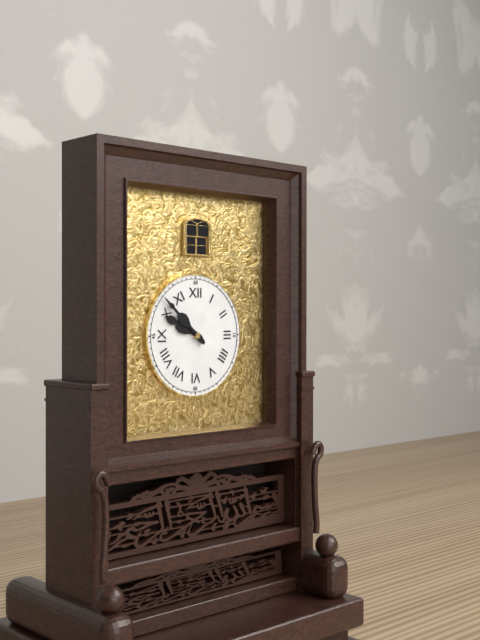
h=9 m=52
